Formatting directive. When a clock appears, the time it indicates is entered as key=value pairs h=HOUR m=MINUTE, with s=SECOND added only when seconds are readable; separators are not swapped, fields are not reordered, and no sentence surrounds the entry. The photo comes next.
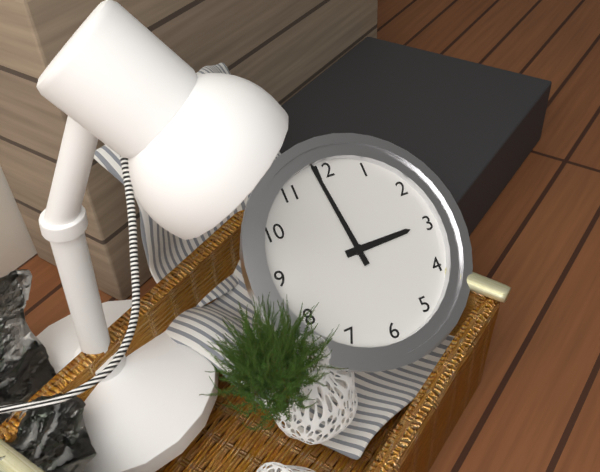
h=2 m=59
